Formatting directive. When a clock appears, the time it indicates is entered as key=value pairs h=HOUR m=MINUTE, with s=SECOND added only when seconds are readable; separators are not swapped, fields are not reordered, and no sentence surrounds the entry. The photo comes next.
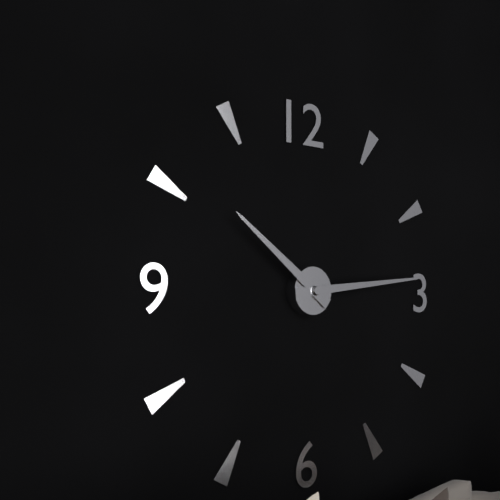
h=10 m=14
